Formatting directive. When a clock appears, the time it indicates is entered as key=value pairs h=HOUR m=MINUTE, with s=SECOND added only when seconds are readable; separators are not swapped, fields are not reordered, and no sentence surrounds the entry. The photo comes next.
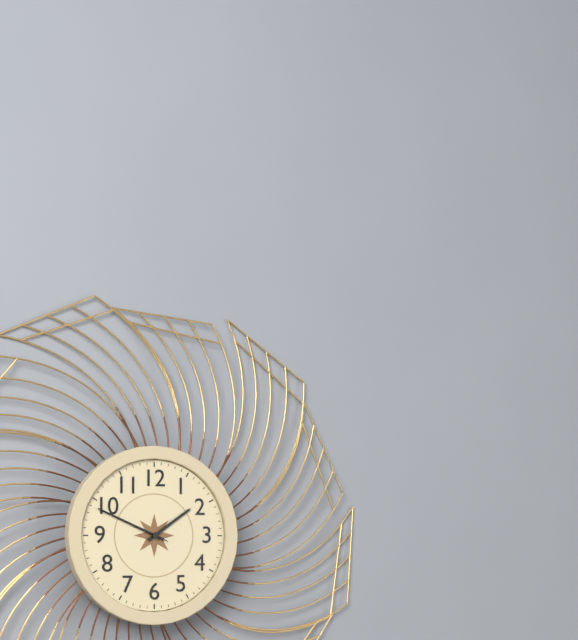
h=1 m=49 s=49
